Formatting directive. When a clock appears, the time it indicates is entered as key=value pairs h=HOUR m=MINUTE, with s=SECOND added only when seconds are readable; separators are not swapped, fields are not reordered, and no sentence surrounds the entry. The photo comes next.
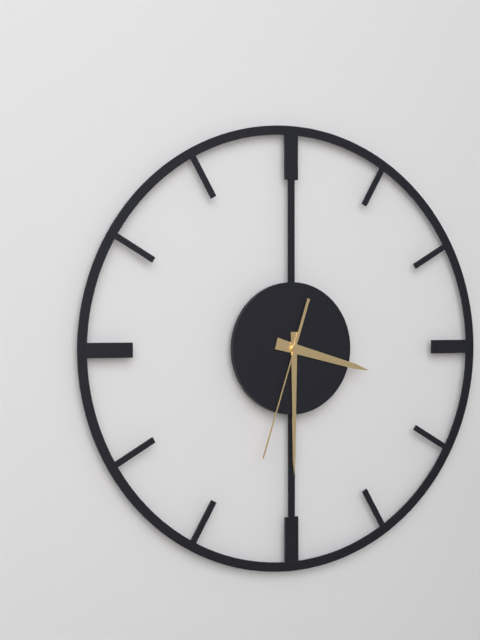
h=3 m=30 s=33
